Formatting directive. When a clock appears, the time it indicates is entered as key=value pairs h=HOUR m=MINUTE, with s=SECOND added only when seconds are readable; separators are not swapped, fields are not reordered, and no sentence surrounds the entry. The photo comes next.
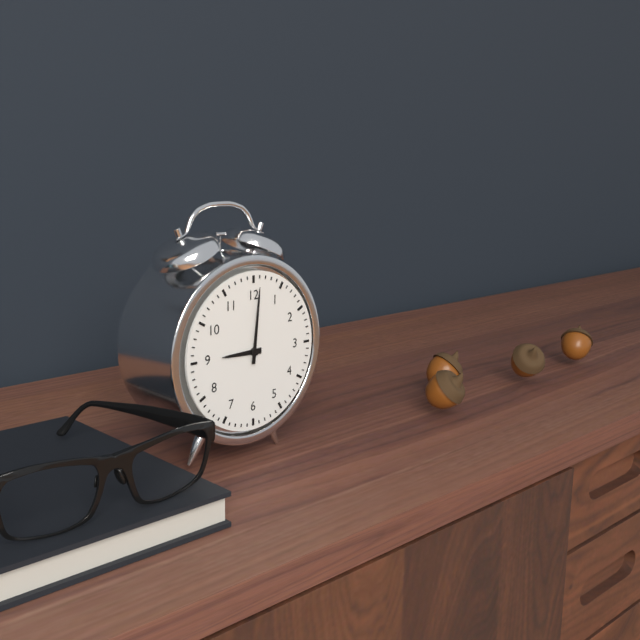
h=9 m=1
